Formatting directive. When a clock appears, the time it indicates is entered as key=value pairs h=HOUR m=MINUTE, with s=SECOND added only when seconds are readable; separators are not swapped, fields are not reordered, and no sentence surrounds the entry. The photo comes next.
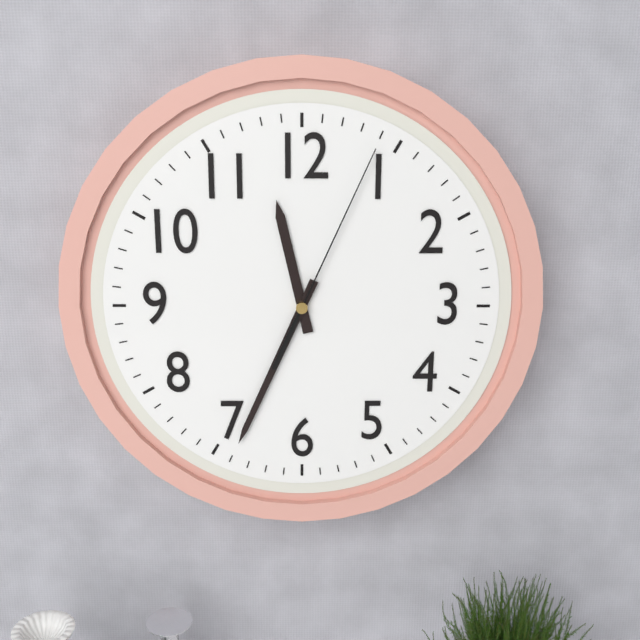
h=11 m=34 s=4
